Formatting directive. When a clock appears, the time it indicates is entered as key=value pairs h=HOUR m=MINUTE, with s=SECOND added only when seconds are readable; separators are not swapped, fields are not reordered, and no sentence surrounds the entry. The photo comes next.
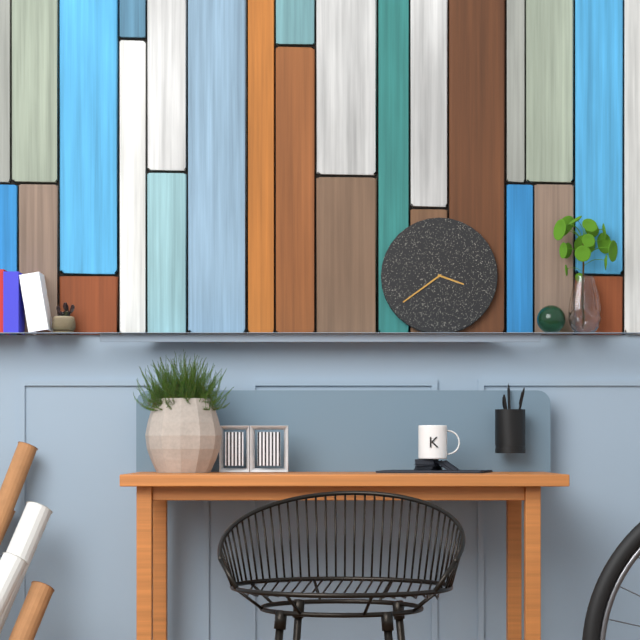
h=3 m=39
